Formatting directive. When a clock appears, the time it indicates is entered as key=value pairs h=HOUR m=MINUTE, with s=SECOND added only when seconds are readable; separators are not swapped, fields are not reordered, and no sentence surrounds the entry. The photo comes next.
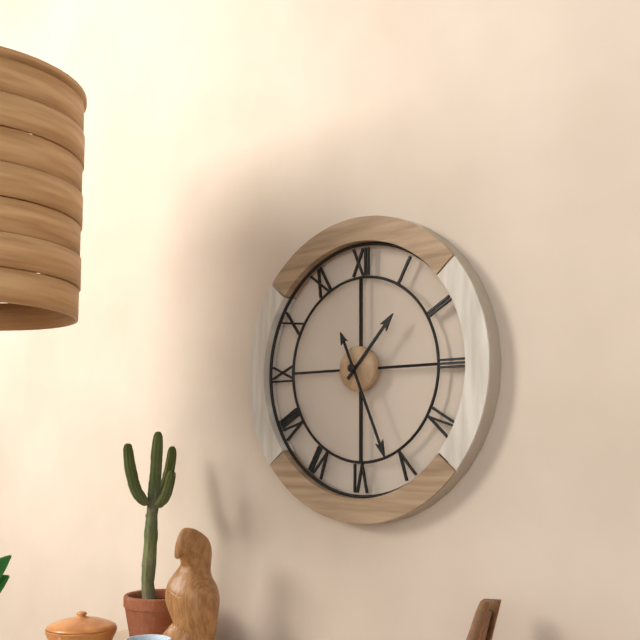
h=1 m=26
